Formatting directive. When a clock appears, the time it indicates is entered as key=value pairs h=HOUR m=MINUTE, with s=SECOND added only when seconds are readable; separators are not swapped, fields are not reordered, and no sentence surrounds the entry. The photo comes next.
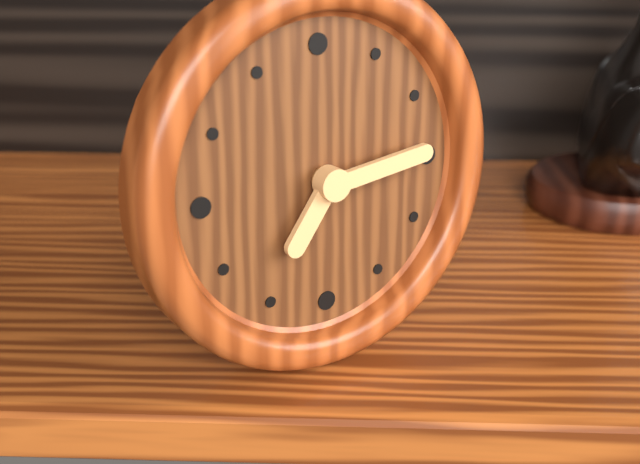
h=7 m=14
